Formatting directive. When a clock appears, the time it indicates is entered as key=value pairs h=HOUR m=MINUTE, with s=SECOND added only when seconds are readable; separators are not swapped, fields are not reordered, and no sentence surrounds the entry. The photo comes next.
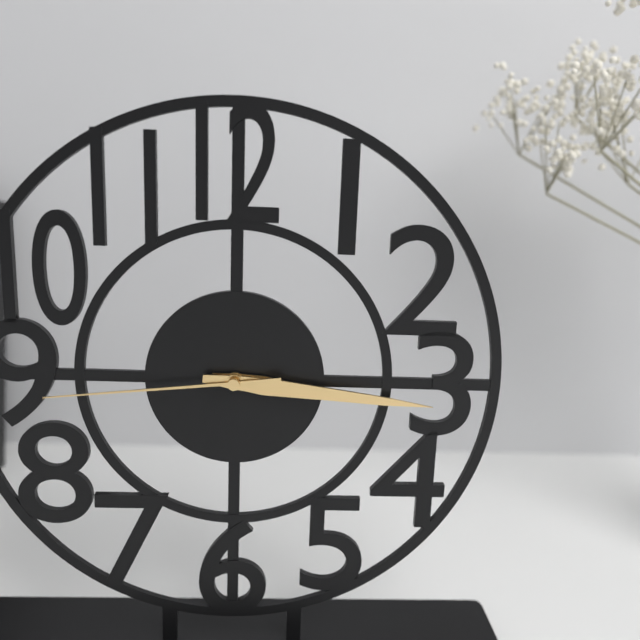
h=3 m=16 s=44
